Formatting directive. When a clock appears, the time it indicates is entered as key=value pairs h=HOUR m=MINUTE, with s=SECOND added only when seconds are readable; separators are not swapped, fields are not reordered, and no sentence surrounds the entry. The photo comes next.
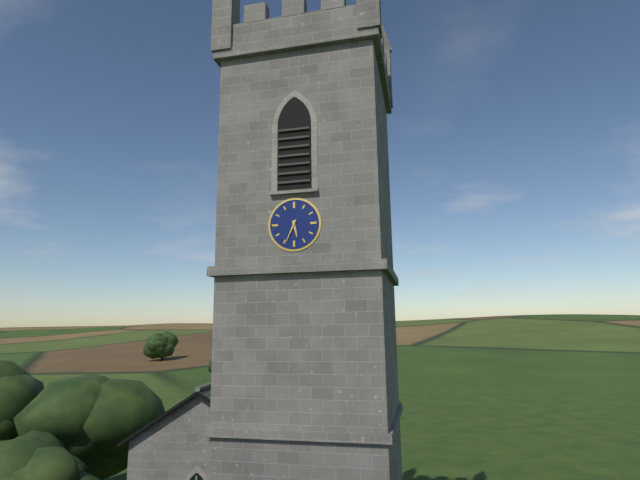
h=5 m=34
